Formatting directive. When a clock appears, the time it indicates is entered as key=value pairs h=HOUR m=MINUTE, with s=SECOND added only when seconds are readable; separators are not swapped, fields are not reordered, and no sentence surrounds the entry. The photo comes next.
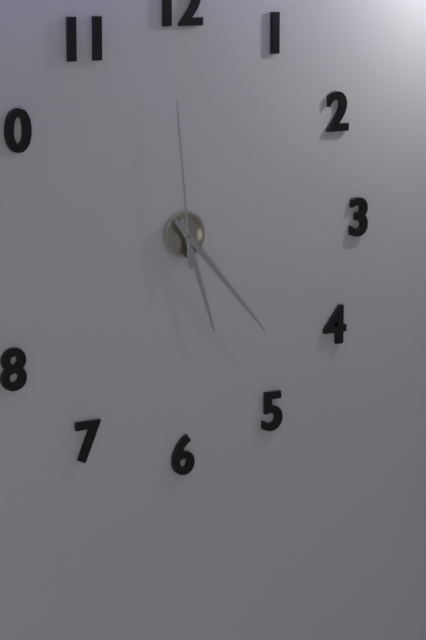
h=5 m=23 s=59
